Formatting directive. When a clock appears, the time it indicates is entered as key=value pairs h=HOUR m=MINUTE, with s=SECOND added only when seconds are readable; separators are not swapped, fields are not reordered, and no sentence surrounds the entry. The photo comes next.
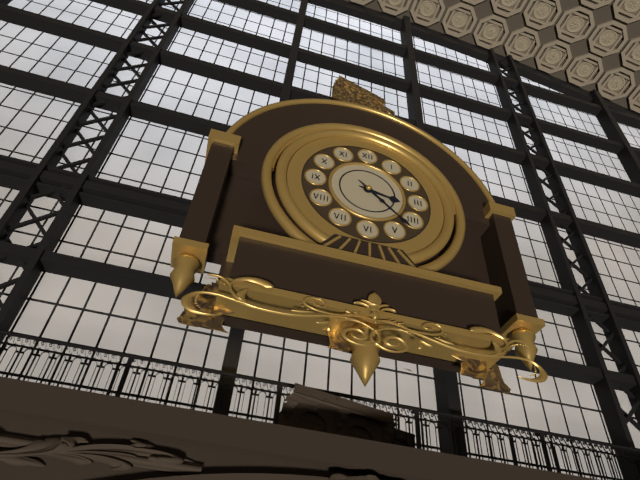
h=3 m=22
